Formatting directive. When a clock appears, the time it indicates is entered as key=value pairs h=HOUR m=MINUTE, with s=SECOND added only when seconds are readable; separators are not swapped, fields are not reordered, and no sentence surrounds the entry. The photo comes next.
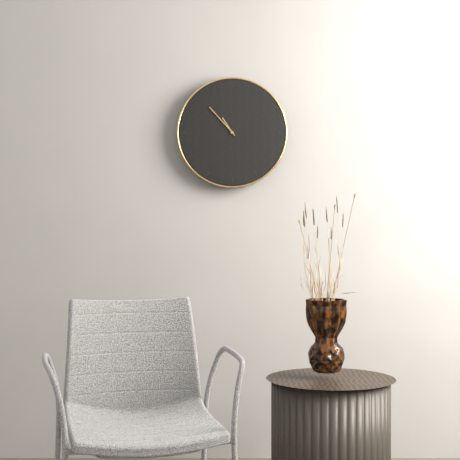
h=10 m=53
